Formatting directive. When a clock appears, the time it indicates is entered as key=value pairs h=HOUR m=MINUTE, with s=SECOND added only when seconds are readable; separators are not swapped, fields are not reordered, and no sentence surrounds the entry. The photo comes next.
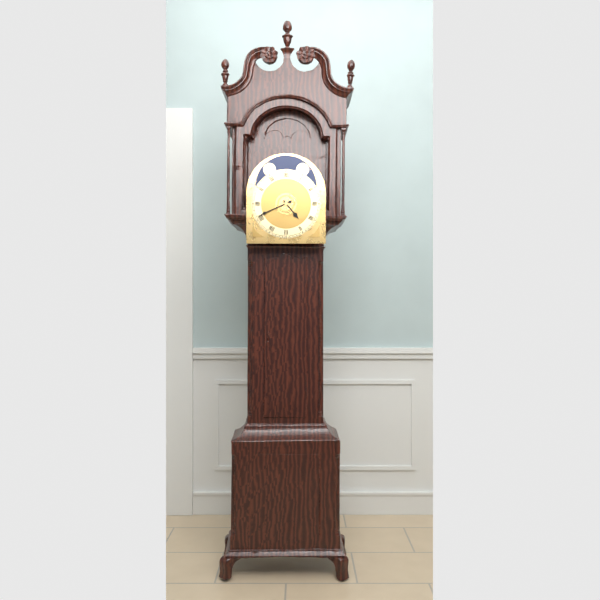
h=4 m=41
